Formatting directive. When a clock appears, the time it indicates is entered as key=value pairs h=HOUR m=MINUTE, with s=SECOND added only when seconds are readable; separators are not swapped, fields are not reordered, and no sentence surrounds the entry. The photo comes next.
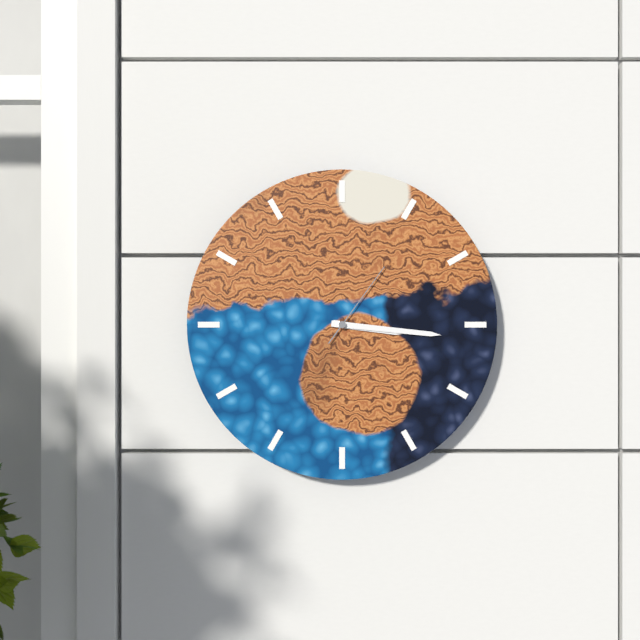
h=3 m=16 s=6
